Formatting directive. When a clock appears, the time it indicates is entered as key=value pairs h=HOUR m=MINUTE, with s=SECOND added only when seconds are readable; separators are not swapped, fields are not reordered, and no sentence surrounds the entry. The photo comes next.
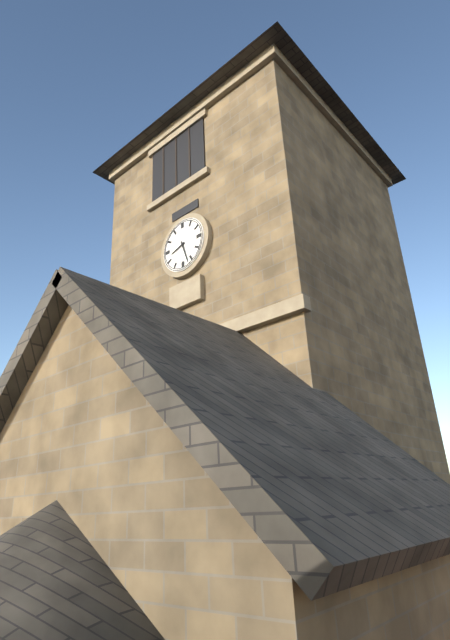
h=8 m=27
